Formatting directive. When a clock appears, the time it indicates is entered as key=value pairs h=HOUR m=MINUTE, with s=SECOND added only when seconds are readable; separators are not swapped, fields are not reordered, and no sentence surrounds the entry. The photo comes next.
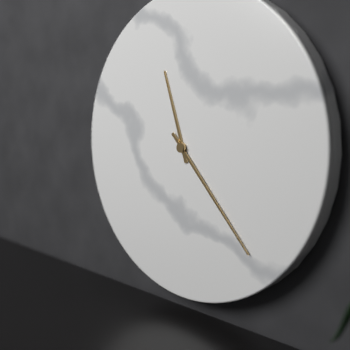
h=11 m=23
